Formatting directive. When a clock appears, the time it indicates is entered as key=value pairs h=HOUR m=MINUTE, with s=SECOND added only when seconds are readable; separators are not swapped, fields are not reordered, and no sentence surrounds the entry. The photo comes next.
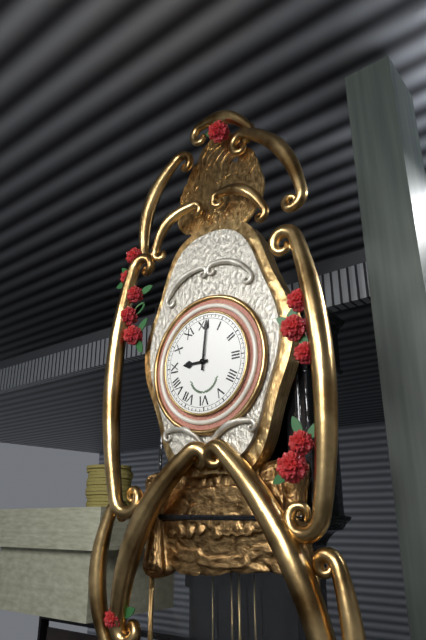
h=9 m=1
